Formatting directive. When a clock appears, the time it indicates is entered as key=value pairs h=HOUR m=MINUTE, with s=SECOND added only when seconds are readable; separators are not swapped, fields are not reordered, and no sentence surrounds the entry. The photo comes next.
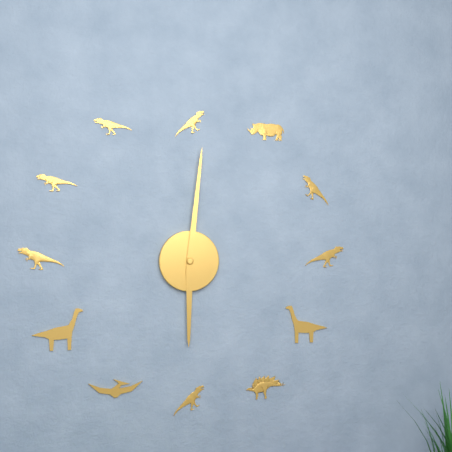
h=6 m=1
